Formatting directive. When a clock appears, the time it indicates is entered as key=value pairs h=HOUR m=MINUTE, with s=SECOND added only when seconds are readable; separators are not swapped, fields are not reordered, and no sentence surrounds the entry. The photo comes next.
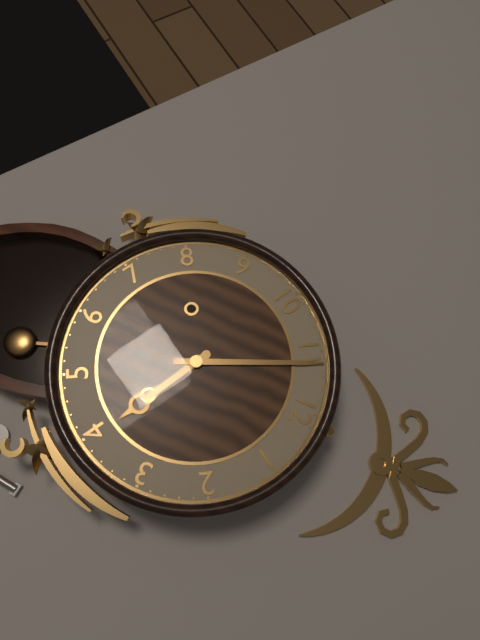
h=3 m=56
